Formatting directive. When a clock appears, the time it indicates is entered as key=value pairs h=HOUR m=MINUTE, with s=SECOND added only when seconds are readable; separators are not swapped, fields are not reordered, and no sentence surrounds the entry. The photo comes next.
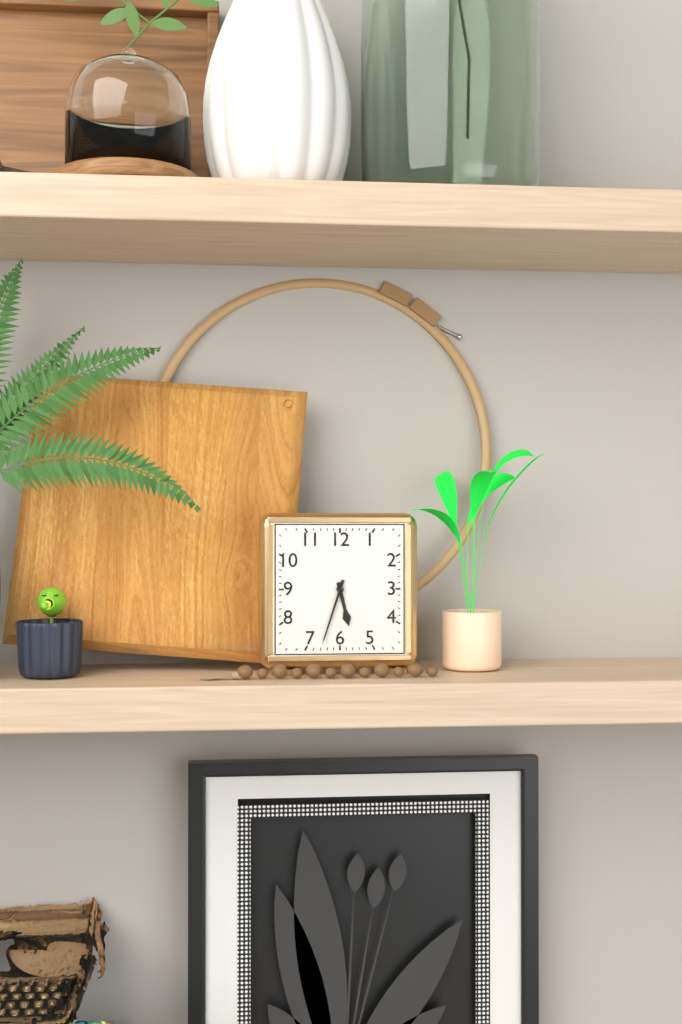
h=5 m=33
